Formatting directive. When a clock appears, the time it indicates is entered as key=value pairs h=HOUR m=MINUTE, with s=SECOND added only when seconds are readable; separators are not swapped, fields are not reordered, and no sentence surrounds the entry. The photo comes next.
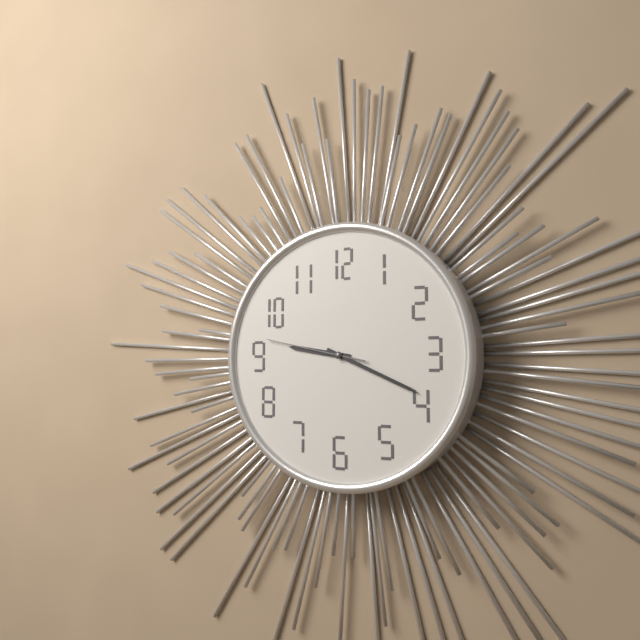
h=9 m=19 s=47
